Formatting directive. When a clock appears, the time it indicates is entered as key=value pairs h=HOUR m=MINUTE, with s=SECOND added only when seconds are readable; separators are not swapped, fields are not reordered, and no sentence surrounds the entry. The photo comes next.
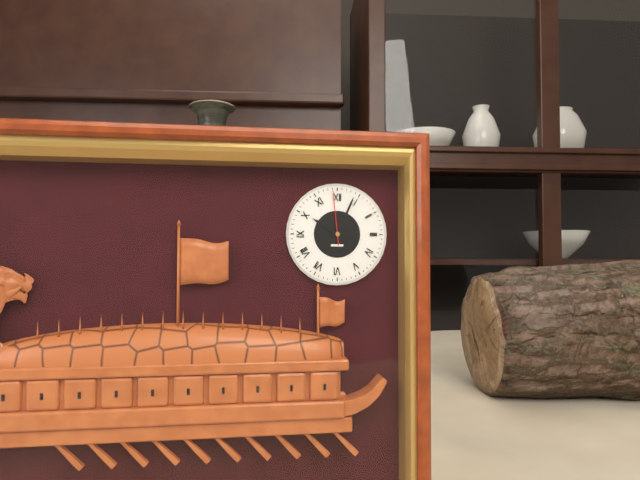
h=10 m=4 s=59
